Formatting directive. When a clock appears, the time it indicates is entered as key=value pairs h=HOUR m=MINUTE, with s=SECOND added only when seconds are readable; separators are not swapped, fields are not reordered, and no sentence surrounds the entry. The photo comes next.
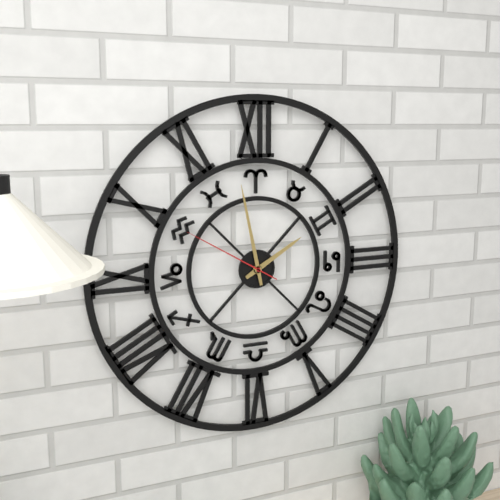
h=1 m=58 s=50
